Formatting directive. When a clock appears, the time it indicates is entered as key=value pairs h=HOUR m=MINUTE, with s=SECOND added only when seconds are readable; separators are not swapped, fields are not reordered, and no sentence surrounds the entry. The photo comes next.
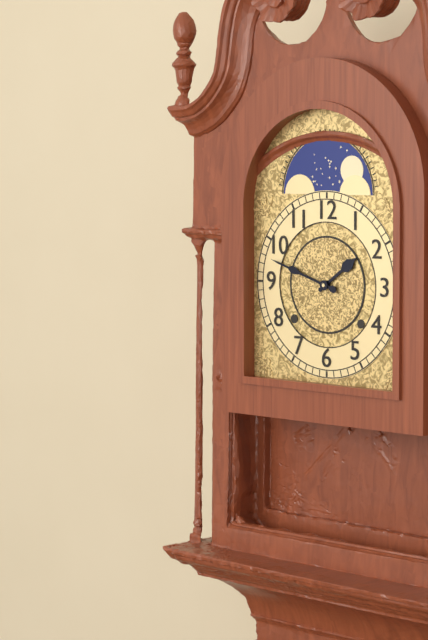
h=1 m=48
